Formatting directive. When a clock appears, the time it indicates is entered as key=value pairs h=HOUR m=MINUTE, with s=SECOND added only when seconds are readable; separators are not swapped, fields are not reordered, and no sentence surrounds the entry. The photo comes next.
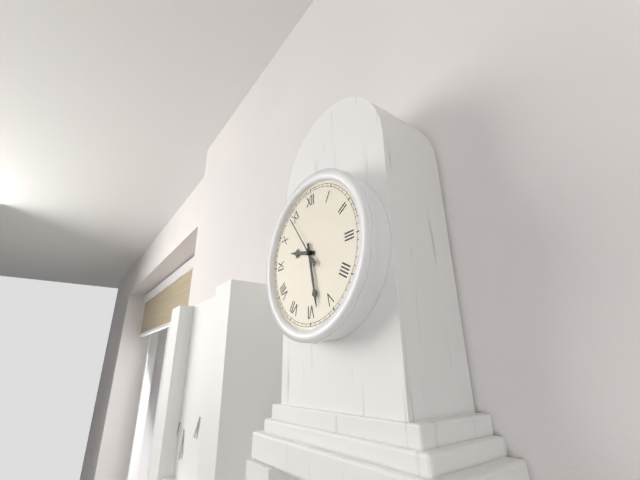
h=9 m=28
